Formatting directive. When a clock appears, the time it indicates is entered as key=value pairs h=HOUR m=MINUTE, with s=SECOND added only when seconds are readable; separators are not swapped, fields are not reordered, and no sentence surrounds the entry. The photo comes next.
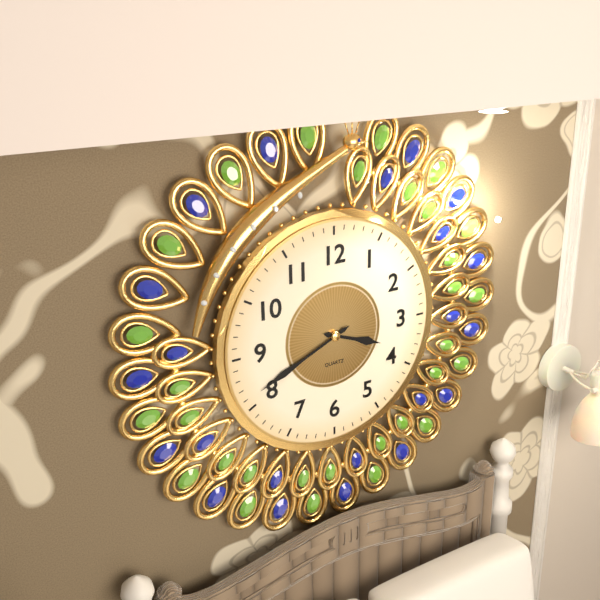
h=3 m=41
